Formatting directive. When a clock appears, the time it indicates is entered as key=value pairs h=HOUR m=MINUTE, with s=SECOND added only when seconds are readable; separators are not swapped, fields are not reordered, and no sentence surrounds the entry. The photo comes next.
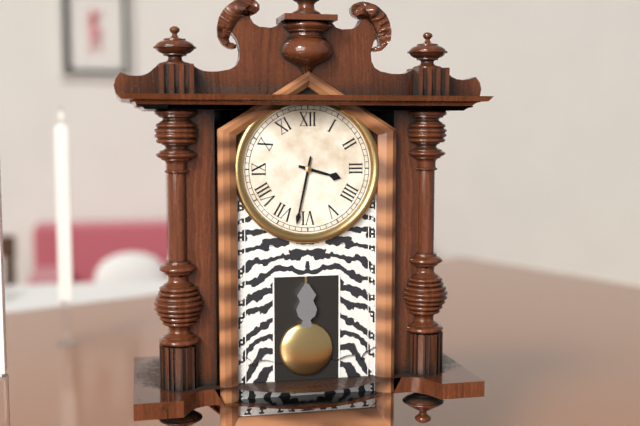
h=3 m=32
